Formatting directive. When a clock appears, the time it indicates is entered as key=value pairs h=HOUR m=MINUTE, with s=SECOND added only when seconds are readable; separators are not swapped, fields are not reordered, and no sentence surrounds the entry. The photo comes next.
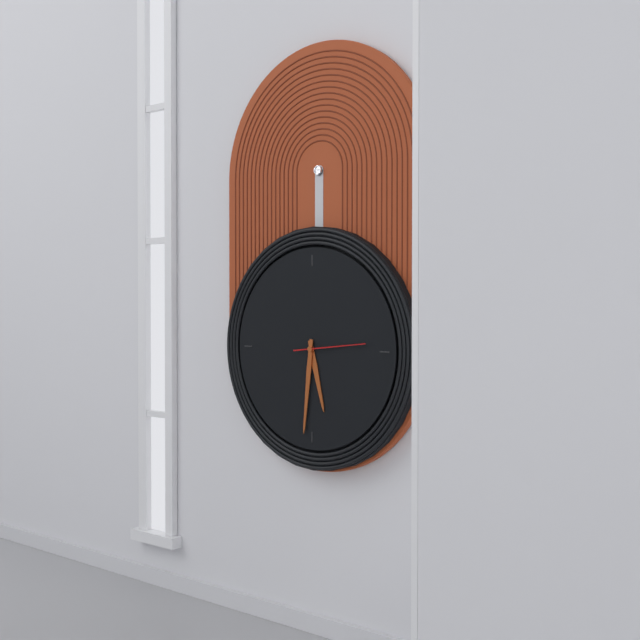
h=5 m=31 s=14
